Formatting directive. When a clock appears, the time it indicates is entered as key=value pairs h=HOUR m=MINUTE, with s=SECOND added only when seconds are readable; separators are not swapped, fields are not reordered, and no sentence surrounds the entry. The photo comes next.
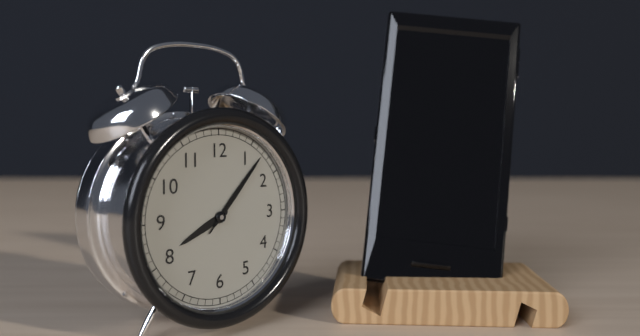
h=8 m=7 s=7
